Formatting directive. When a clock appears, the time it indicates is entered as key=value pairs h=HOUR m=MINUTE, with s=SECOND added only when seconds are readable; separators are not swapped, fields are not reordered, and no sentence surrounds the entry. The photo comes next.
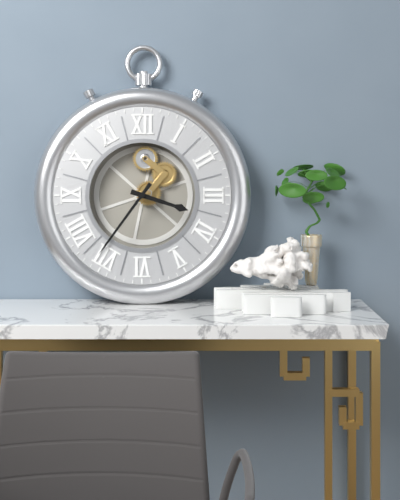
h=3 m=36
